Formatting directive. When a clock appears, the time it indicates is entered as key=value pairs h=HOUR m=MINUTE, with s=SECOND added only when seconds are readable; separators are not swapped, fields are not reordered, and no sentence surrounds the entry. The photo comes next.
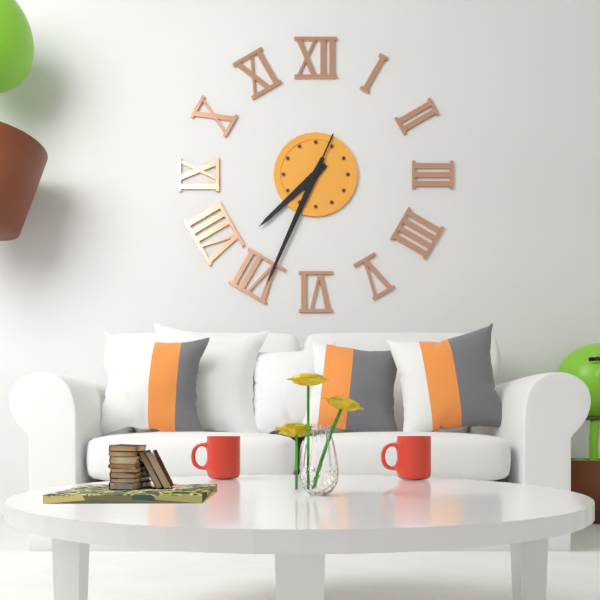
h=7 m=34 s=34
